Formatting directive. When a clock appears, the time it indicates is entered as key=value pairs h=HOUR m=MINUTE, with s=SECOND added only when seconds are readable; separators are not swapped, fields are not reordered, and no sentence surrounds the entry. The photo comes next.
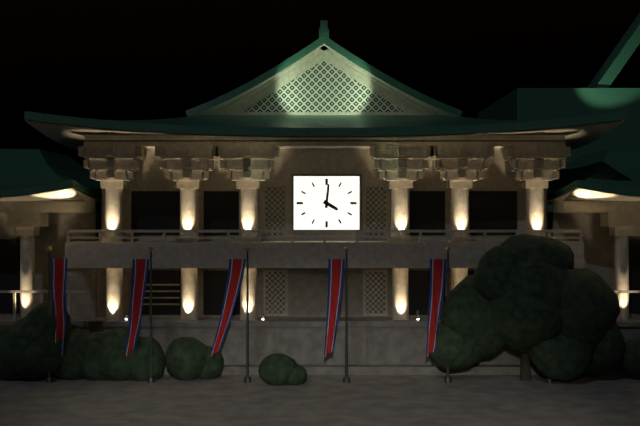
h=4 m=1
